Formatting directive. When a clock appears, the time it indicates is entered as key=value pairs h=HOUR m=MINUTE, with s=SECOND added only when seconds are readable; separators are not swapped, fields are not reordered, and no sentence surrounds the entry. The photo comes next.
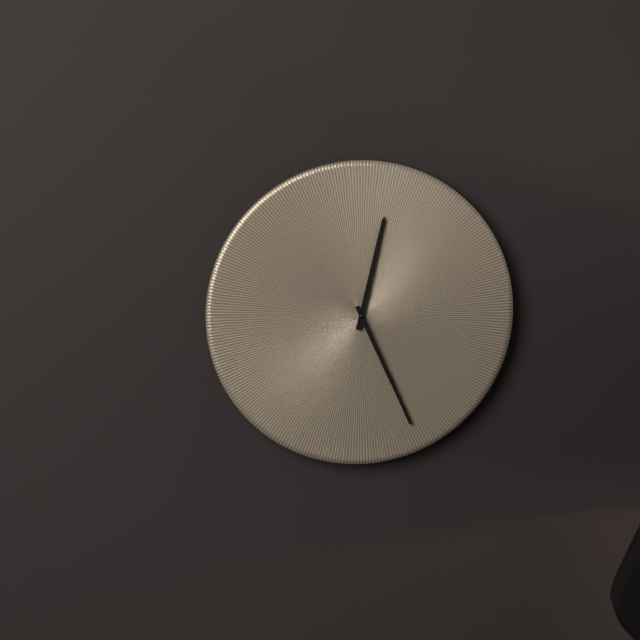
h=12 m=26
